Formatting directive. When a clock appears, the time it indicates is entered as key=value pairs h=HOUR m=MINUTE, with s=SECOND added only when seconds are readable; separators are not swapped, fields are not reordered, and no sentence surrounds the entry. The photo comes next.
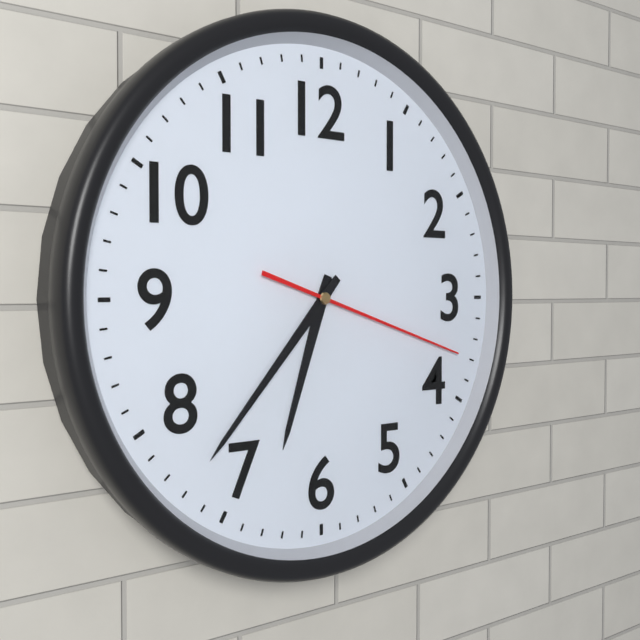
h=6 m=37 s=18
